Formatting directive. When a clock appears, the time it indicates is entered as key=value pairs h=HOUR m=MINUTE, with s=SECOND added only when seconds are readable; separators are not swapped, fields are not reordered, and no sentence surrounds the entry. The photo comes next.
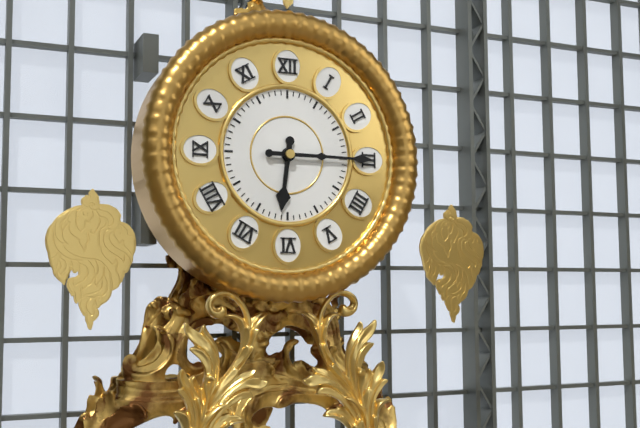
h=6 m=15
